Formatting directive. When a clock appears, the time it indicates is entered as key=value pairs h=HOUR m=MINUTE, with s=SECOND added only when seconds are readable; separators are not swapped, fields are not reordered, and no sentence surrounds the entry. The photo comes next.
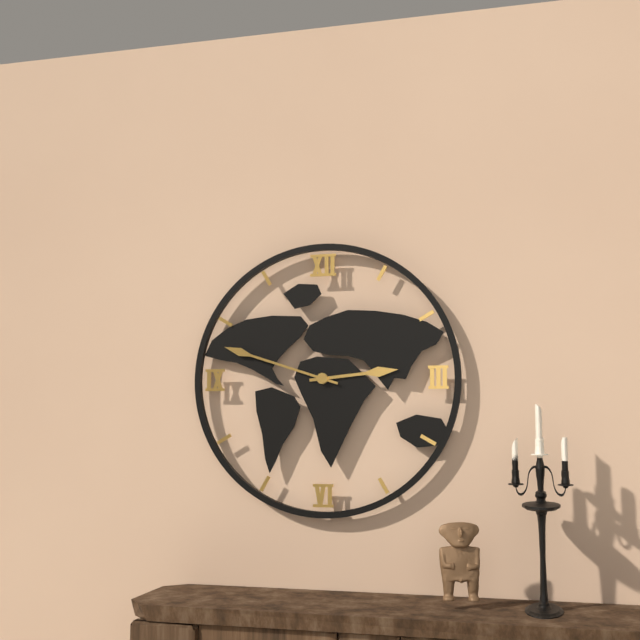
h=2 m=48
